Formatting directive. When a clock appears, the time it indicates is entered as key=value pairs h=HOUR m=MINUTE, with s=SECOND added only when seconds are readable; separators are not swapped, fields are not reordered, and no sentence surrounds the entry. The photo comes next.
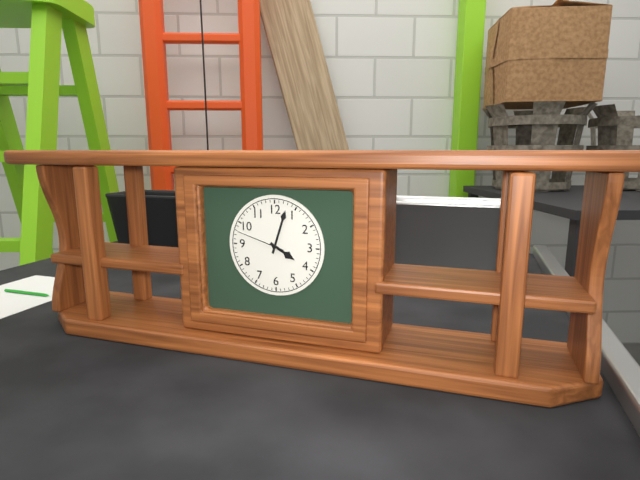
h=4 m=3
